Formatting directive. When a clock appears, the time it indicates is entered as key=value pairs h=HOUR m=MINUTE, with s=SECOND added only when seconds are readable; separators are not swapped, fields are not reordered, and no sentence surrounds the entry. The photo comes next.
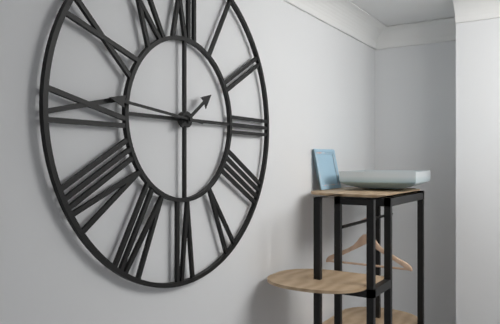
h=1 m=46
